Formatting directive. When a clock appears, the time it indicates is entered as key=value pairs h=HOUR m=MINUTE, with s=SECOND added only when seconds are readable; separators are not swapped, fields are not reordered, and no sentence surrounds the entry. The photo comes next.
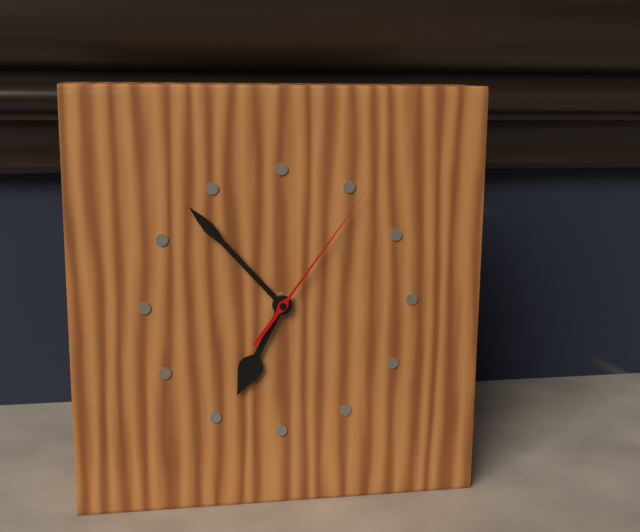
h=6 m=53 s=6
